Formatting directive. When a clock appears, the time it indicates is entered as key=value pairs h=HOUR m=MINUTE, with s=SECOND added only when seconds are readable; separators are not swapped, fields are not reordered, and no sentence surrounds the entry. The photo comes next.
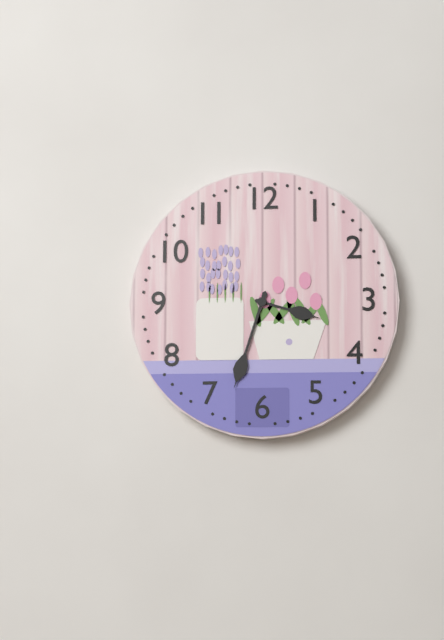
h=3 m=33
